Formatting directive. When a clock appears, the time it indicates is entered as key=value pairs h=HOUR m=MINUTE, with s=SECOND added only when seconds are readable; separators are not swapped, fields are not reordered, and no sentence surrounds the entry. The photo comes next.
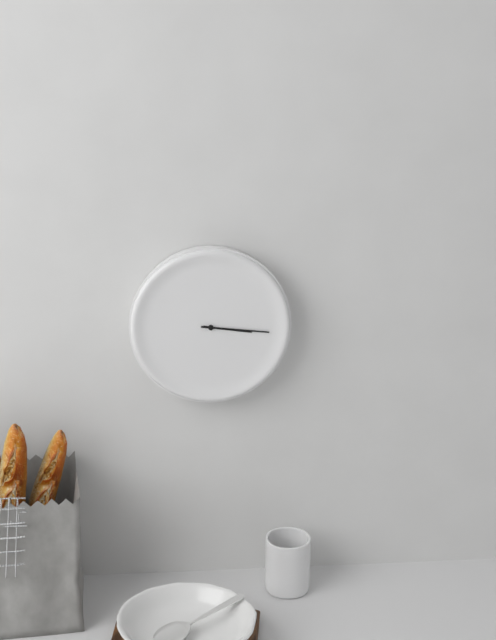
h=3 m=16
